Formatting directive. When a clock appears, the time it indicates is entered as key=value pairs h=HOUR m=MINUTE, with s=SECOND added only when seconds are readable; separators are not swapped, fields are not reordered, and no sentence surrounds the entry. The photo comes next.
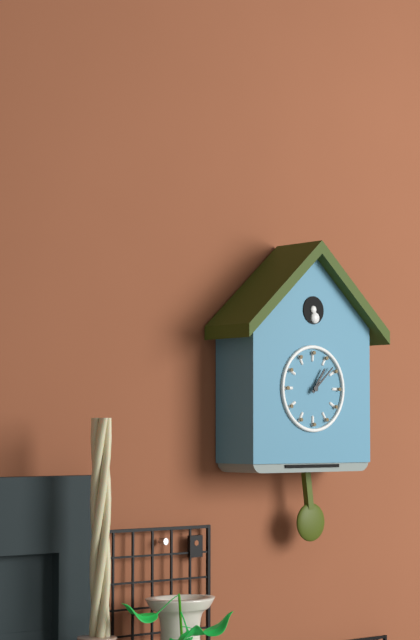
h=1 m=8
